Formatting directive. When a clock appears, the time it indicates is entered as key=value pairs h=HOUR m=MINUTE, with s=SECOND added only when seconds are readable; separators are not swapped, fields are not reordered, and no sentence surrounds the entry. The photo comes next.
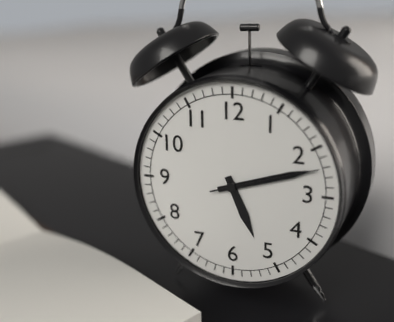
h=5 m=12 s=12
